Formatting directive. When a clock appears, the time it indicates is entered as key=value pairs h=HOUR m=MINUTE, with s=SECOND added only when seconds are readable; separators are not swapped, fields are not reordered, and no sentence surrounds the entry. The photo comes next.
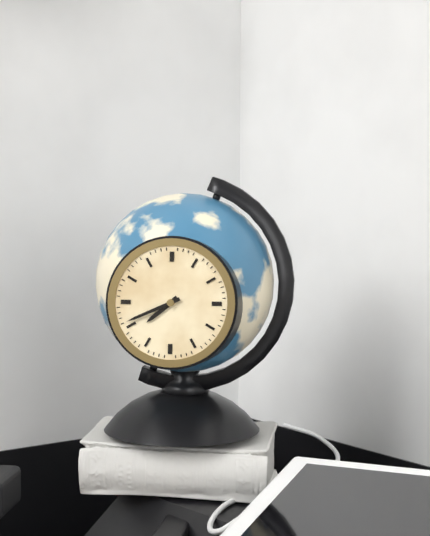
h=7 m=41
